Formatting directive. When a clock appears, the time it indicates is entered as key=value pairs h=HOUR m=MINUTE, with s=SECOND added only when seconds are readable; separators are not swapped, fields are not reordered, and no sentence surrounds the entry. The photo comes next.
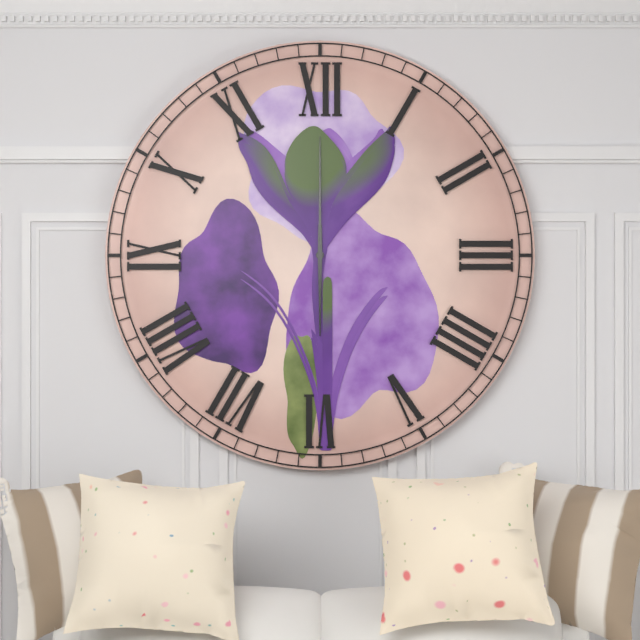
h=6 m=0
